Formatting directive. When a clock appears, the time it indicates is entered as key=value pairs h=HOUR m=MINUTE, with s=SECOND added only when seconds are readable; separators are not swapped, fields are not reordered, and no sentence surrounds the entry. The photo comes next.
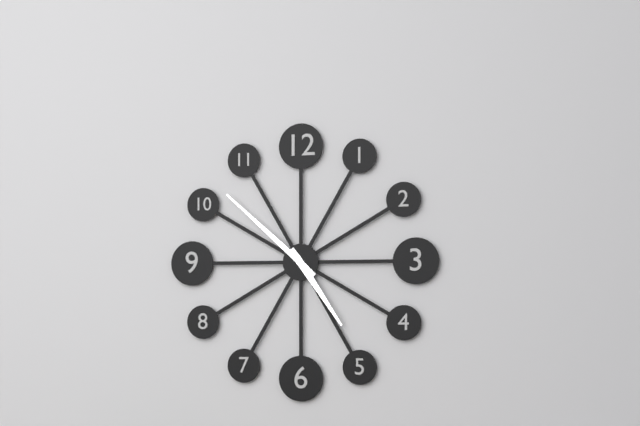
h=4 m=52
